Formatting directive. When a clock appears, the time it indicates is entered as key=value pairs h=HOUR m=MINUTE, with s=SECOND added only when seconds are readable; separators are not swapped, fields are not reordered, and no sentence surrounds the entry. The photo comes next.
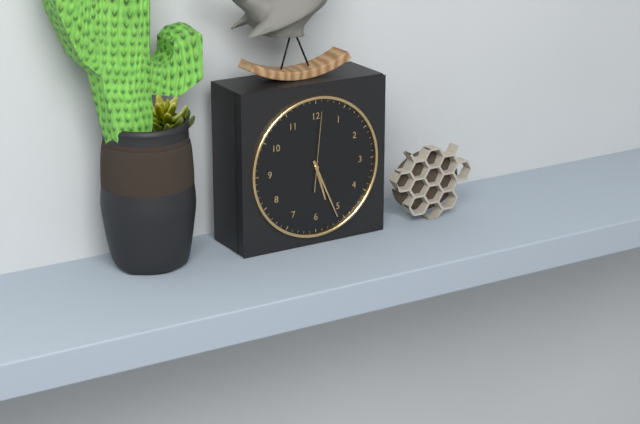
h=5 m=26 s=1
